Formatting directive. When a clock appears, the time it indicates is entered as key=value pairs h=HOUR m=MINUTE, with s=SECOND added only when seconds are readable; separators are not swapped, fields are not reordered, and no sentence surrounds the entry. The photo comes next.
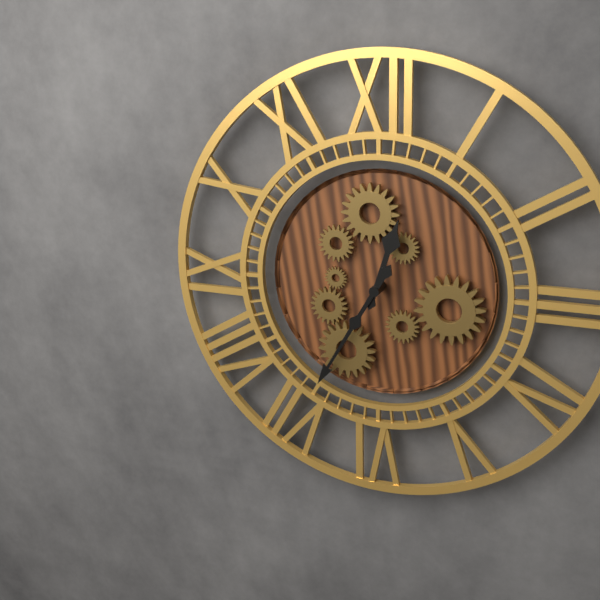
h=12 m=35
